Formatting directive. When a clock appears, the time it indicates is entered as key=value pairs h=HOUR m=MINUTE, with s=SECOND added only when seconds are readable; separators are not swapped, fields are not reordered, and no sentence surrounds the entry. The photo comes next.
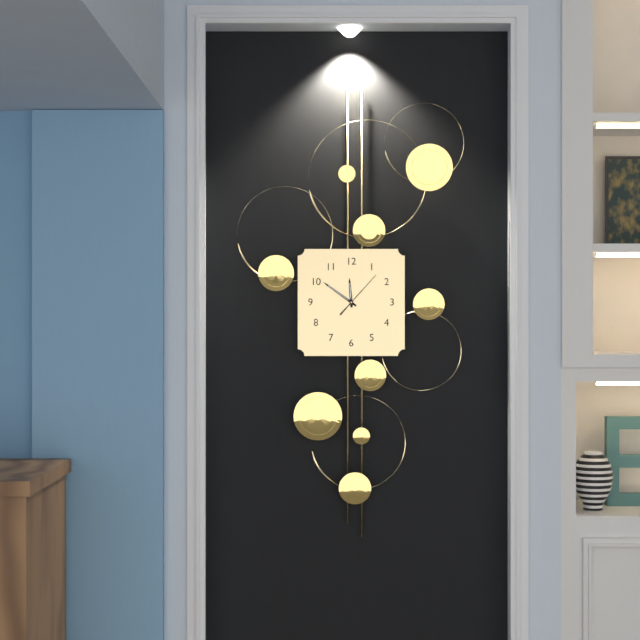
h=11 m=51
